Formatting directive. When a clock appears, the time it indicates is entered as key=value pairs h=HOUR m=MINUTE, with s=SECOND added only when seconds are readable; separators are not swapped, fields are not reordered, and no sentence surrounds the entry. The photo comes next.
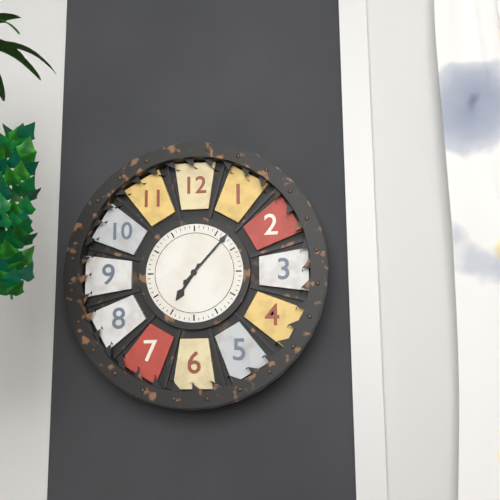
h=7 m=7
